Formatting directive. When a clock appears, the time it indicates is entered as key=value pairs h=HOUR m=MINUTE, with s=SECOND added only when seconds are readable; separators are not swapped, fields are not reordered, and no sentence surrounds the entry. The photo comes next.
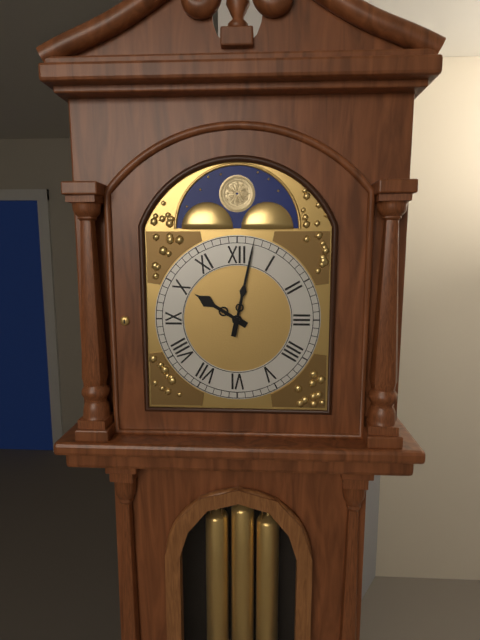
h=10 m=2
